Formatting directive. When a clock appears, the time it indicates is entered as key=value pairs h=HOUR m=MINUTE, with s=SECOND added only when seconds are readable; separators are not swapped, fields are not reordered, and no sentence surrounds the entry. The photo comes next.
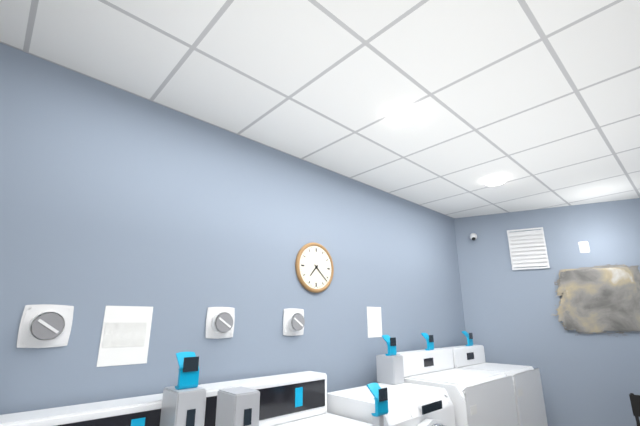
h=7 m=22
